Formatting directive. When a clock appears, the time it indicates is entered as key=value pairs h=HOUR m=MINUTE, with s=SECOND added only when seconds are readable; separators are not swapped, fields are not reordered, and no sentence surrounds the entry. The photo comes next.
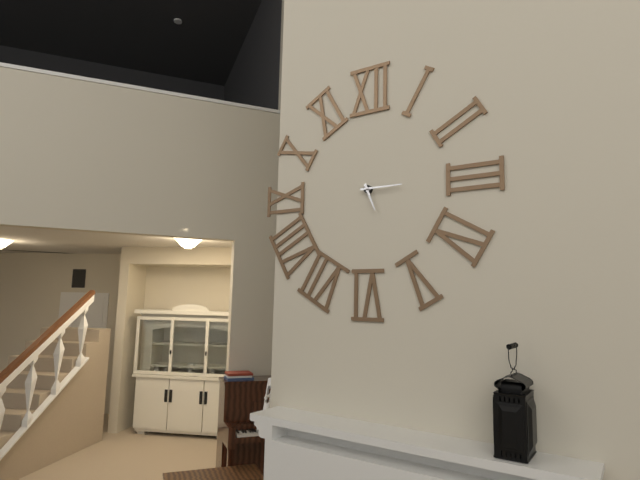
h=5 m=15
